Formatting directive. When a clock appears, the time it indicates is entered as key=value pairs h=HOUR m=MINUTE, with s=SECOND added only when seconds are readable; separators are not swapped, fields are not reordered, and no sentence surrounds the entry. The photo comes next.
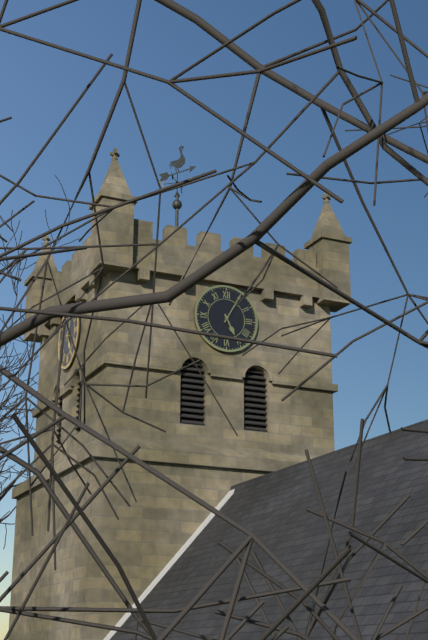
h=5 m=5
